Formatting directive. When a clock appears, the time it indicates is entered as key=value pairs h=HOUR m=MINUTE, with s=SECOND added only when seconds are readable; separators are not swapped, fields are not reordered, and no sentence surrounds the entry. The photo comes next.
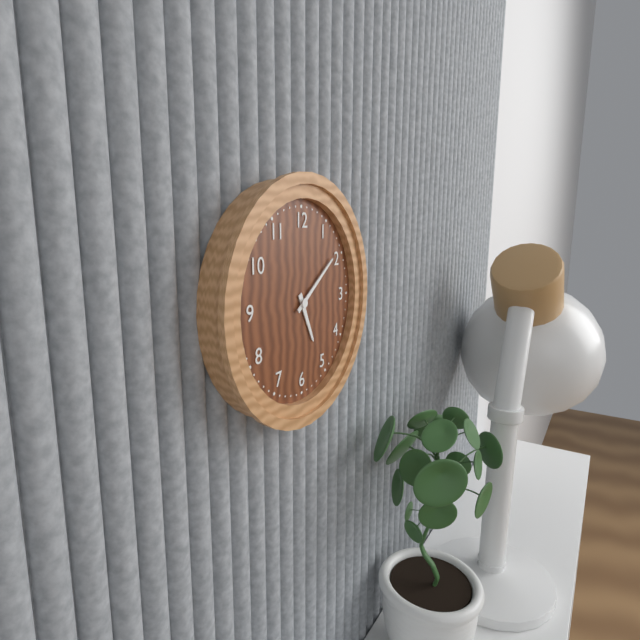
h=5 m=9
